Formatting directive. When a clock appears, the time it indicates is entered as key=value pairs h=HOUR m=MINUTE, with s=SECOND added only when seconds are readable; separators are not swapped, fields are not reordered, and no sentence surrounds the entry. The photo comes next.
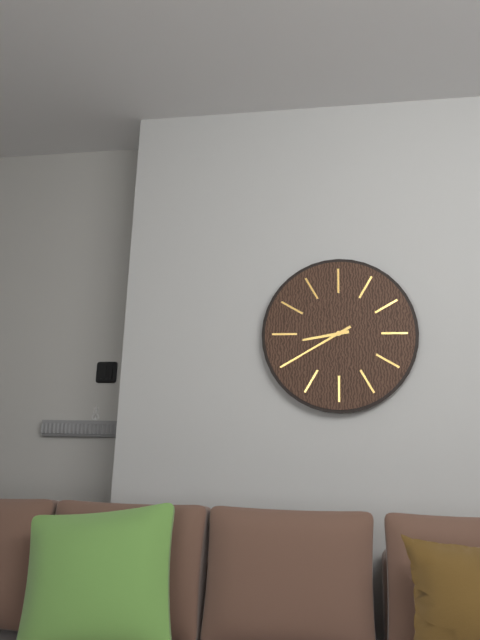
h=8 m=40
